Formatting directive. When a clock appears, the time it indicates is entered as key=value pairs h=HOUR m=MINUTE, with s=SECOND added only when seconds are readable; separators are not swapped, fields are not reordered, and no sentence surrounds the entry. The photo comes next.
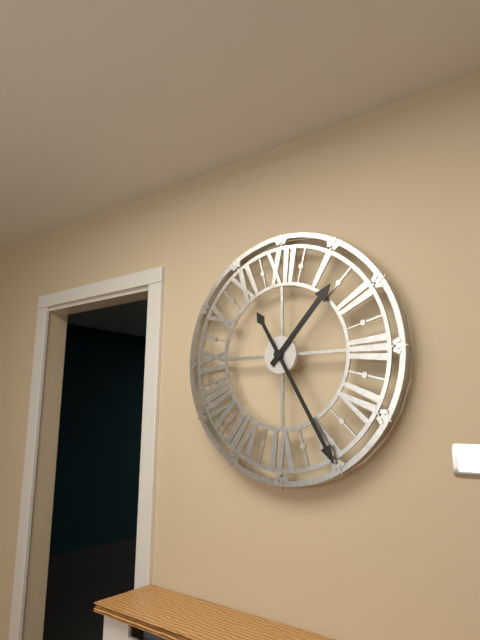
h=1 m=25
